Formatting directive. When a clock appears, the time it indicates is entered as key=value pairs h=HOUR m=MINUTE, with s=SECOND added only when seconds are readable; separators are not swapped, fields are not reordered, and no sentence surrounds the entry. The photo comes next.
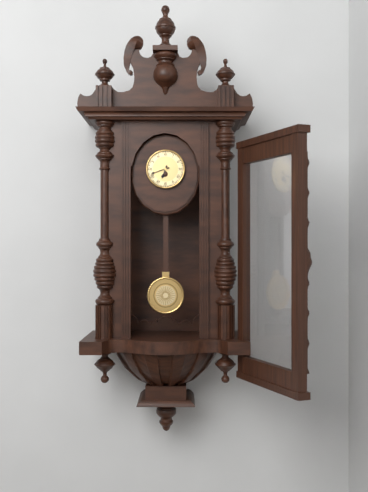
h=6 m=42
